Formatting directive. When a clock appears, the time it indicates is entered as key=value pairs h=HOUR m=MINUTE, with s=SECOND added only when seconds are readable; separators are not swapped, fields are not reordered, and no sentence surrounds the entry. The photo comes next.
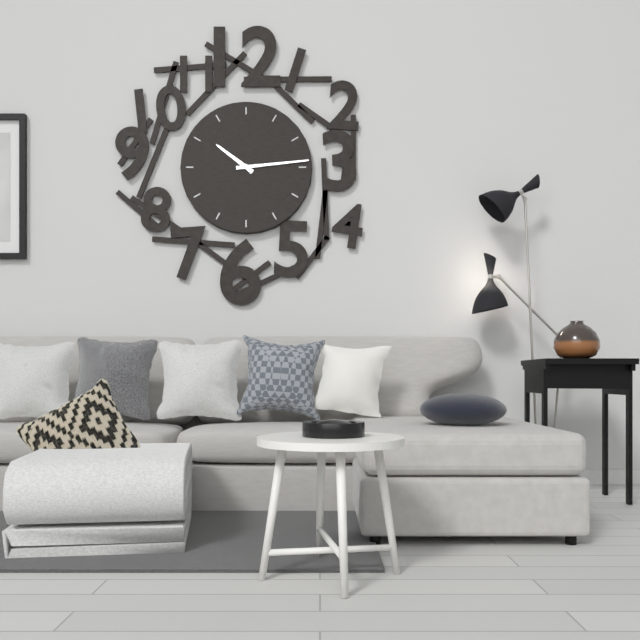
h=10 m=14
